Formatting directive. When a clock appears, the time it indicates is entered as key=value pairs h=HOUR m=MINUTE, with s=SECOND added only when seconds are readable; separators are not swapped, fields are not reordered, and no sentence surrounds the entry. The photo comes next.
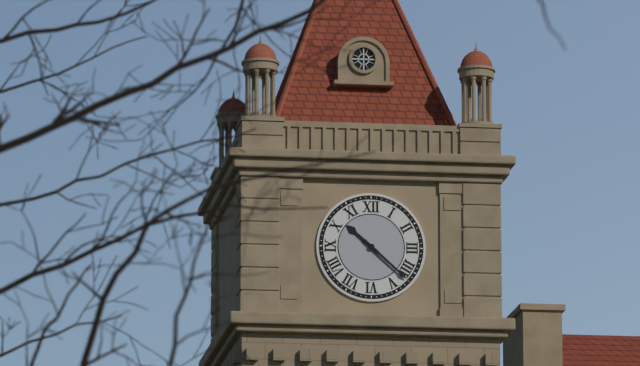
h=10 m=22
